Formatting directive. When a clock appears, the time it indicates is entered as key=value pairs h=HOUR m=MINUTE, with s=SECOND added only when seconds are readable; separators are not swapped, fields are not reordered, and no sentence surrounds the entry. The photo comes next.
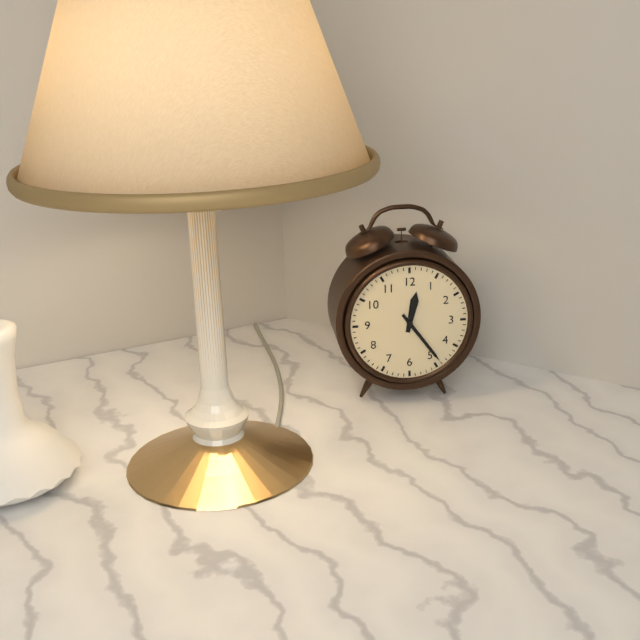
h=12 m=24
